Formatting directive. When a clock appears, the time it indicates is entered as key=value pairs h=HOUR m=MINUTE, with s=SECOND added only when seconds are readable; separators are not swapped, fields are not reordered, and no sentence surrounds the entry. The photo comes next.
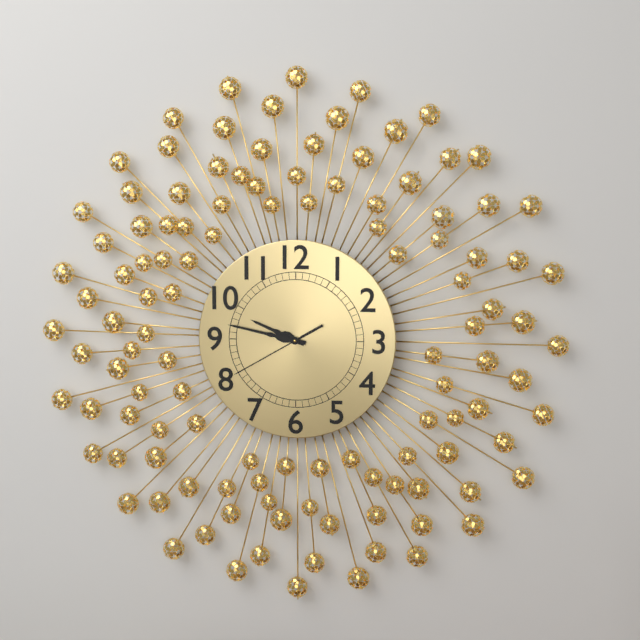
h=9 m=47 s=40
